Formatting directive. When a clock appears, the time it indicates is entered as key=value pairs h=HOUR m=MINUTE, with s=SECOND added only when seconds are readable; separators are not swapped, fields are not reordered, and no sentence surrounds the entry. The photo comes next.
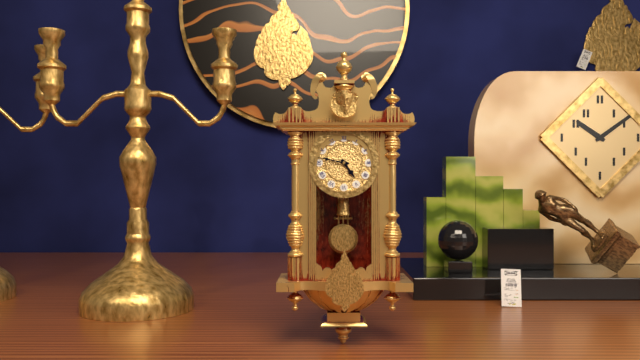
h=4 m=47
